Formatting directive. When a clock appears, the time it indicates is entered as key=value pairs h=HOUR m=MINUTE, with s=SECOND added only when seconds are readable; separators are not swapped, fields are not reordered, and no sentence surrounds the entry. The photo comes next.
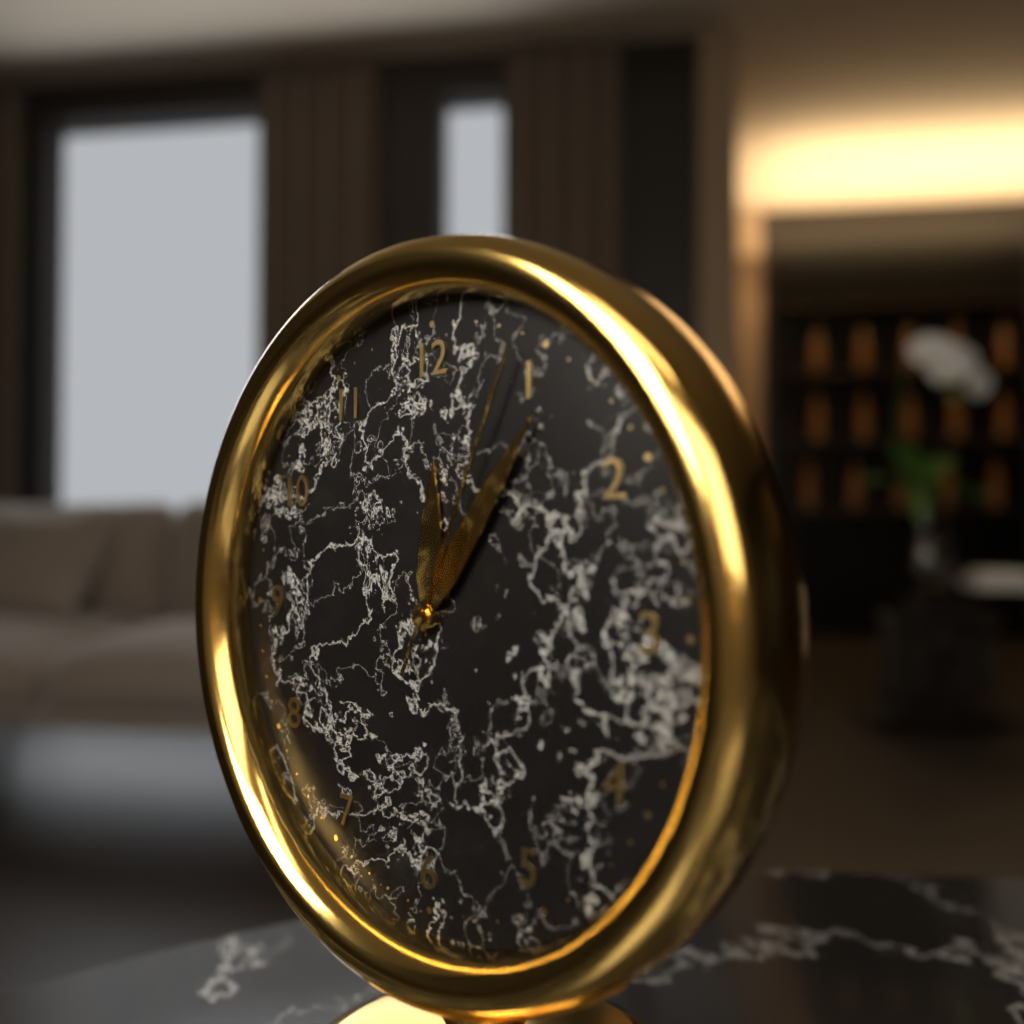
h=12 m=6 s=4
